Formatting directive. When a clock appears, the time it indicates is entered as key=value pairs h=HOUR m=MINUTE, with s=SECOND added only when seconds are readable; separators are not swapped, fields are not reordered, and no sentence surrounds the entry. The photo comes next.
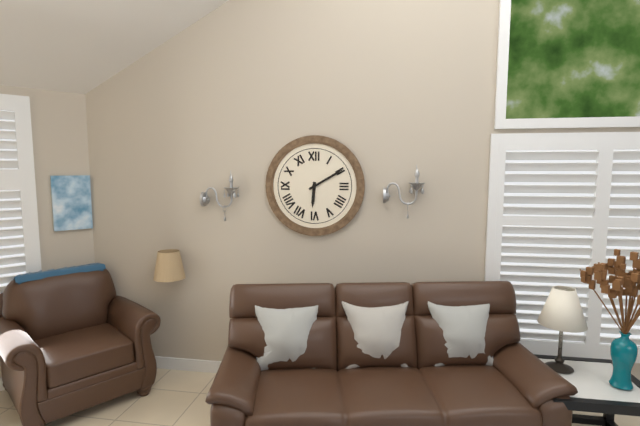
h=6 m=10
